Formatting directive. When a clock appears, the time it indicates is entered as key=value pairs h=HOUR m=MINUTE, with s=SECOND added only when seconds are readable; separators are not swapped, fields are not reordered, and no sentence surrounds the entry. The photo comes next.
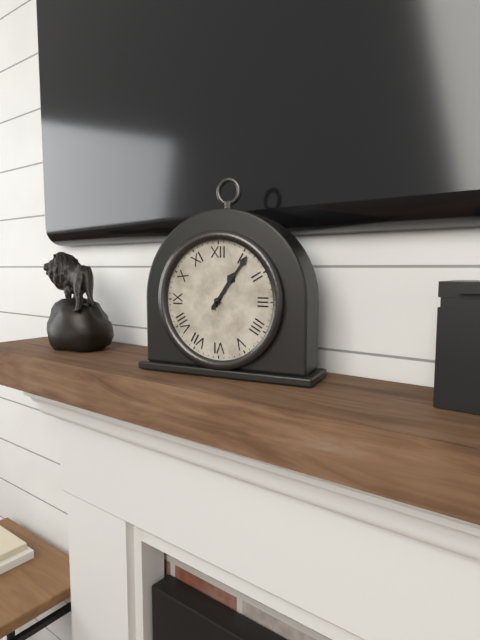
h=1 m=6
